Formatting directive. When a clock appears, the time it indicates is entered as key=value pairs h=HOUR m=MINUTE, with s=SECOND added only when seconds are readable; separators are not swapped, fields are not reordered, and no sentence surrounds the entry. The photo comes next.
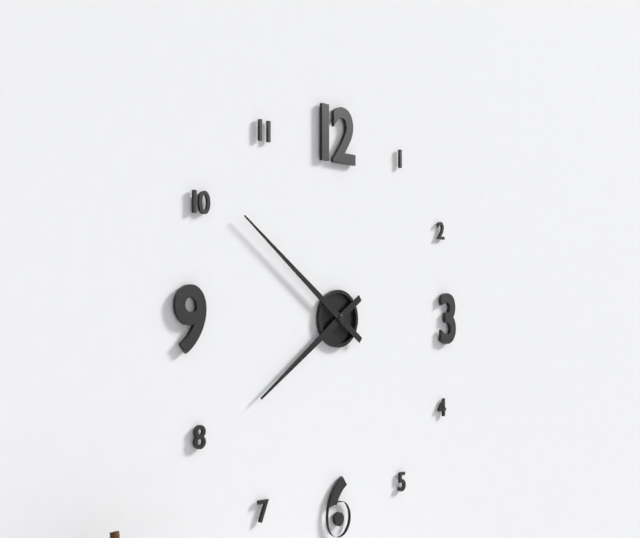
h=7 m=51
